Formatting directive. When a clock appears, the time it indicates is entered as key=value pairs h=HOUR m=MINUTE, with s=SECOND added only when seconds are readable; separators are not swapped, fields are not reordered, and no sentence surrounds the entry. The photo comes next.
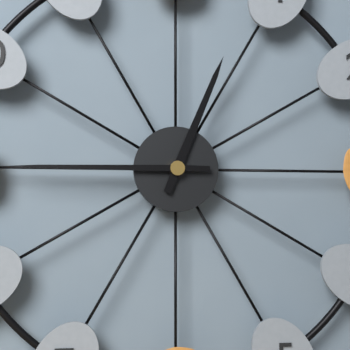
h=12 m=45
